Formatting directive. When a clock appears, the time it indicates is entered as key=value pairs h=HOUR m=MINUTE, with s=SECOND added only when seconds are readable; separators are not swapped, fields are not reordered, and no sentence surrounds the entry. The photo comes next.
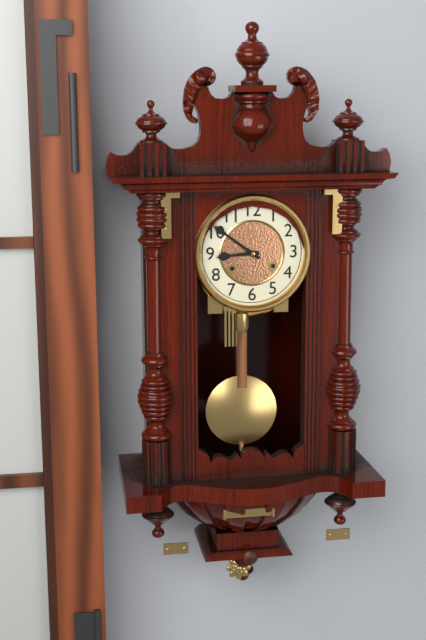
h=8 m=51
